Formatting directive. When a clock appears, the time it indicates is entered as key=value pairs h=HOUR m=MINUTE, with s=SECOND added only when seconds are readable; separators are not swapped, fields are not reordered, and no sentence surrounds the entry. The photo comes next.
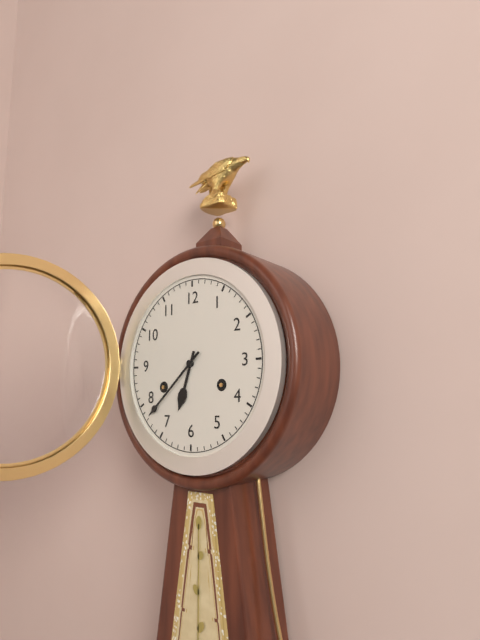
h=6 m=38
